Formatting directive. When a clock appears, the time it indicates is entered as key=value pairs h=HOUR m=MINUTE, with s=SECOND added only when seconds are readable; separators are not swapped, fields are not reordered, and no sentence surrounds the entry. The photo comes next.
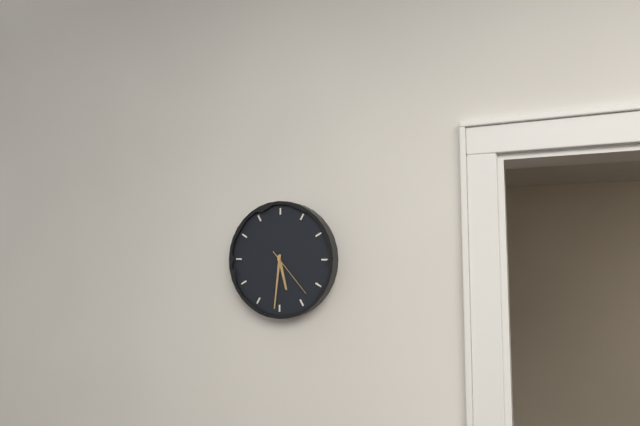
h=5 m=31 s=23
